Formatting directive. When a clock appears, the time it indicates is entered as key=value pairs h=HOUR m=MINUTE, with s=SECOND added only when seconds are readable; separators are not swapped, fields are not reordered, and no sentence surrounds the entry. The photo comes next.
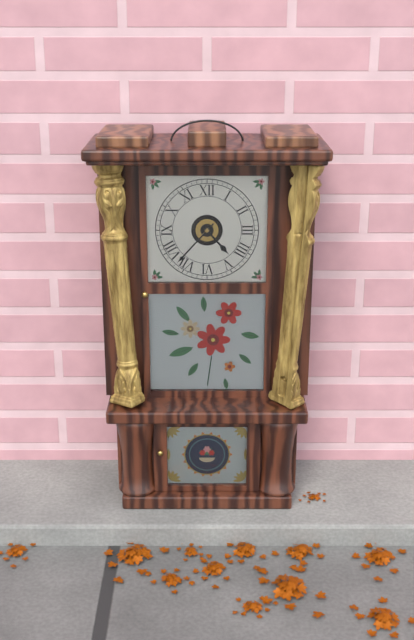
h=4 m=37
